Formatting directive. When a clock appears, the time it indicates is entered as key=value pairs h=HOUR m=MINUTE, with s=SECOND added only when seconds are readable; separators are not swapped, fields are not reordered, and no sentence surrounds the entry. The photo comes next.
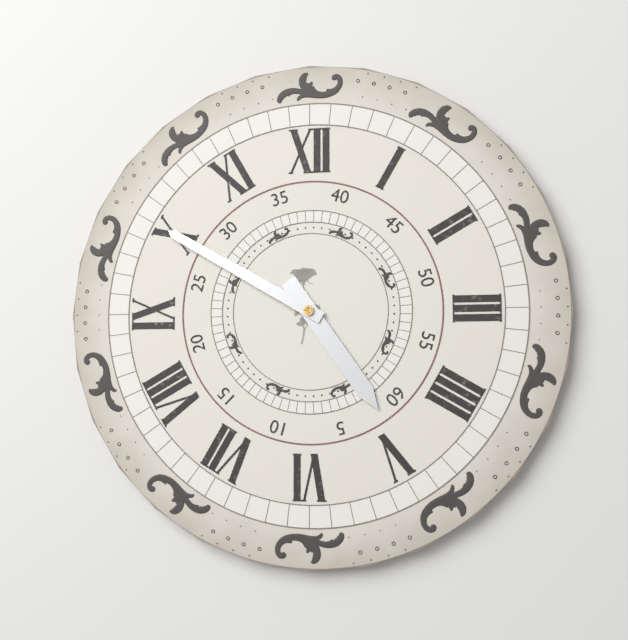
h=4 m=50
